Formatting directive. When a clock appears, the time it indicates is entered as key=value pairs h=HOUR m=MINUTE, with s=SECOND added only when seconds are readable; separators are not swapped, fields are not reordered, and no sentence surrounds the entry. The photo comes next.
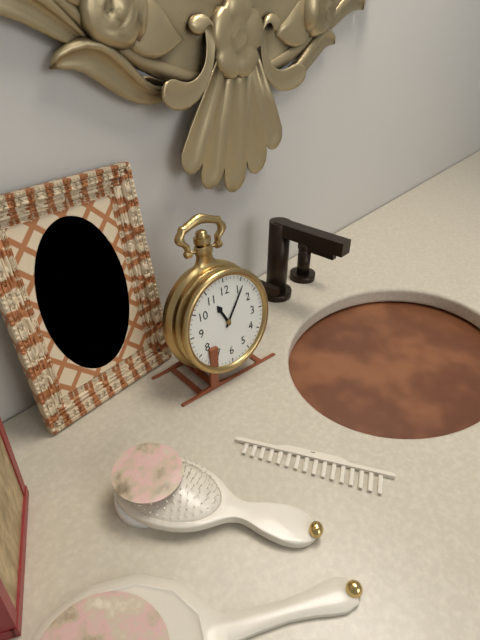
h=11 m=6
